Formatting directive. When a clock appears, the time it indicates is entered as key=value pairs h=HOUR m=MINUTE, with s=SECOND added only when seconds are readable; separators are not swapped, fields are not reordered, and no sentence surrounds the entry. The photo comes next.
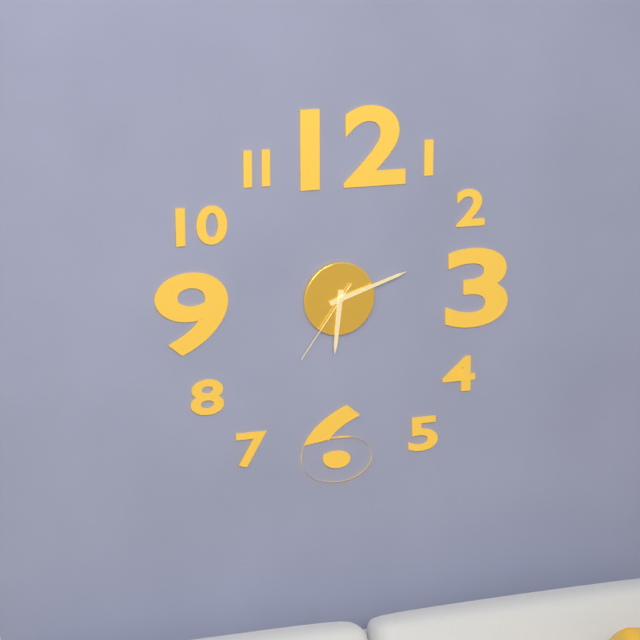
h=6 m=12 s=36
